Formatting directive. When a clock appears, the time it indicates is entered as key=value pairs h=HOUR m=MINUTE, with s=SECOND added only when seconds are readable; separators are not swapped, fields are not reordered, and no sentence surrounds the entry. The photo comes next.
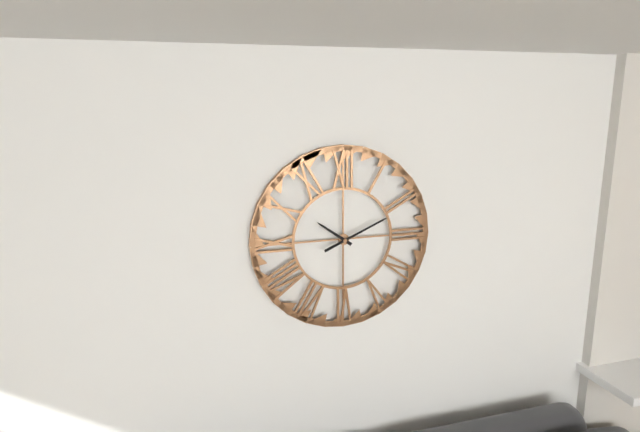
h=10 m=11
